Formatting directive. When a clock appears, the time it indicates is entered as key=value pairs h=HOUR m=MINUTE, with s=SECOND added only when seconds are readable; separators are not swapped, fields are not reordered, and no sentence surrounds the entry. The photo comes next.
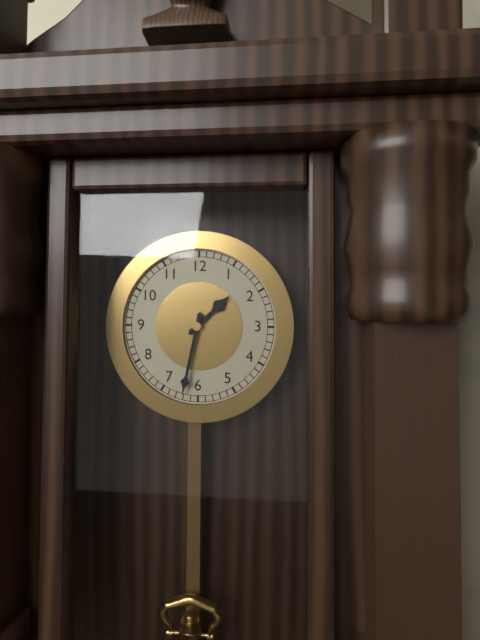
h=1 m=32
